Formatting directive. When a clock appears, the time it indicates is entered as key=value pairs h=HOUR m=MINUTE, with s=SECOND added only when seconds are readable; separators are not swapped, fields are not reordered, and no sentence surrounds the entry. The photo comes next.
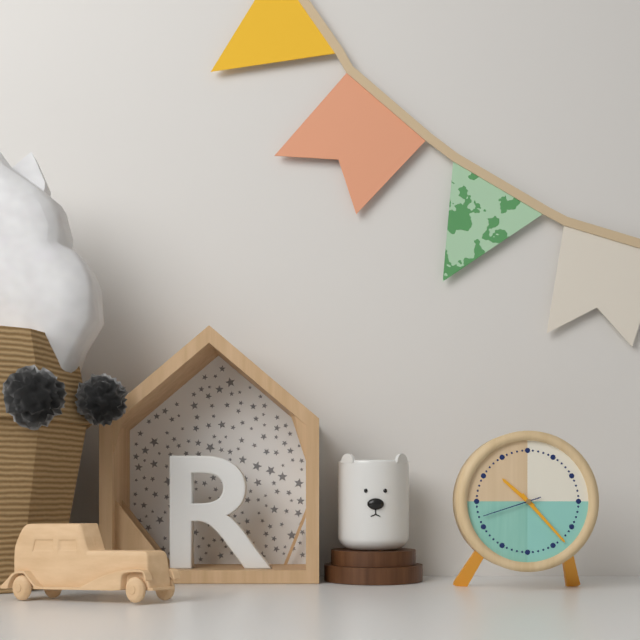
h=10 m=23 s=42
